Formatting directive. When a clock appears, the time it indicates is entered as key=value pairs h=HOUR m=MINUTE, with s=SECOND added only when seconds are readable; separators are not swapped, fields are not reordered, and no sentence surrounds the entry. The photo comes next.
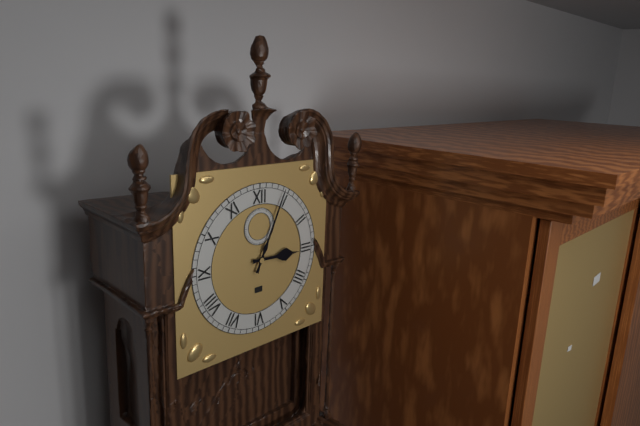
h=3 m=4
